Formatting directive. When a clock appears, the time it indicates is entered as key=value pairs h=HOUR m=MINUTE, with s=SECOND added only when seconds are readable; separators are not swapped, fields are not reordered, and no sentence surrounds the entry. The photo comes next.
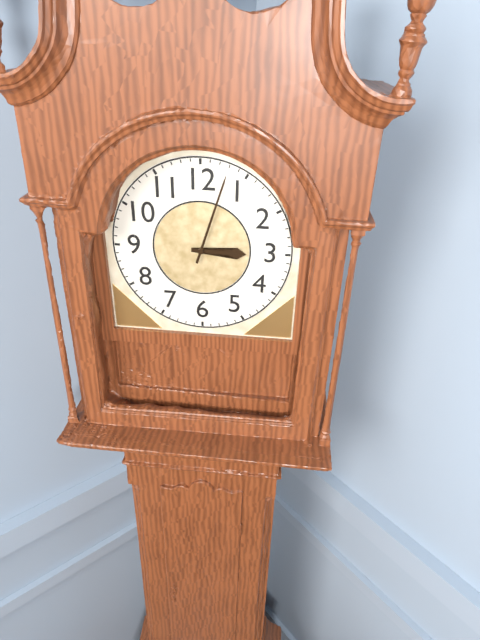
h=3 m=3
